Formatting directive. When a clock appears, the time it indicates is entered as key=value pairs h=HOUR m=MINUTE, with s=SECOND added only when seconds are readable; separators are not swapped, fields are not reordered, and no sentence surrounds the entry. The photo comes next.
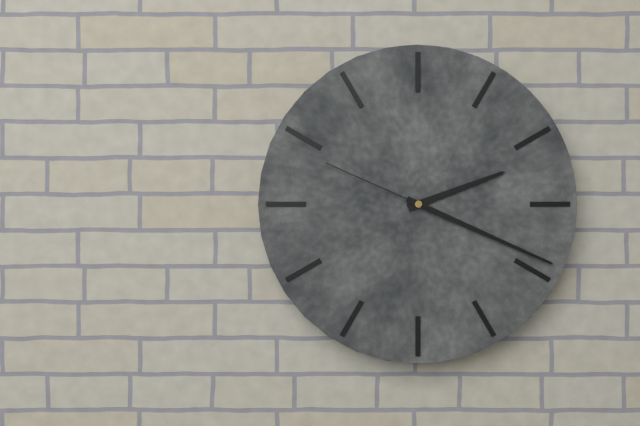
h=2 m=19 s=49
